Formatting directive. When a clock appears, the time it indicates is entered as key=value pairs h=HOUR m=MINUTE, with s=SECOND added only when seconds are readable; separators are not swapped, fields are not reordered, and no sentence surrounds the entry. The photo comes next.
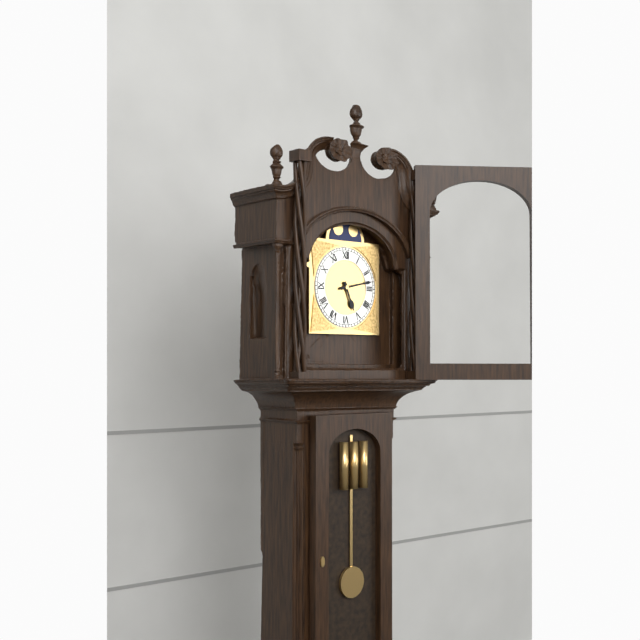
h=5 m=13
